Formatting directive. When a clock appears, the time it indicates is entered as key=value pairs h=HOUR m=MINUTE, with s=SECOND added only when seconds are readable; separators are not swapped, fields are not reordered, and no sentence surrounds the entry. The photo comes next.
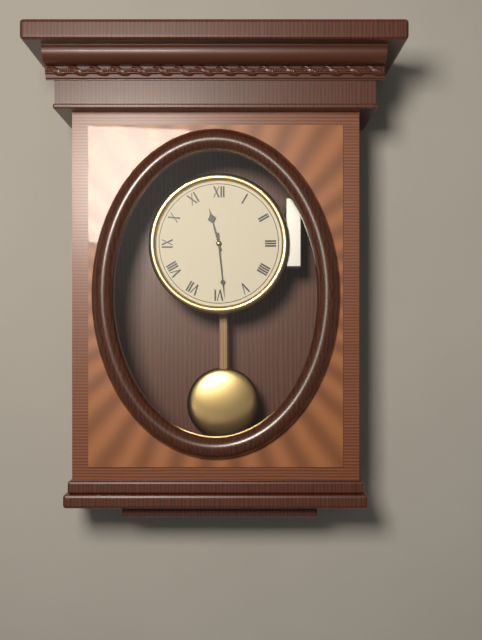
h=11 m=29
